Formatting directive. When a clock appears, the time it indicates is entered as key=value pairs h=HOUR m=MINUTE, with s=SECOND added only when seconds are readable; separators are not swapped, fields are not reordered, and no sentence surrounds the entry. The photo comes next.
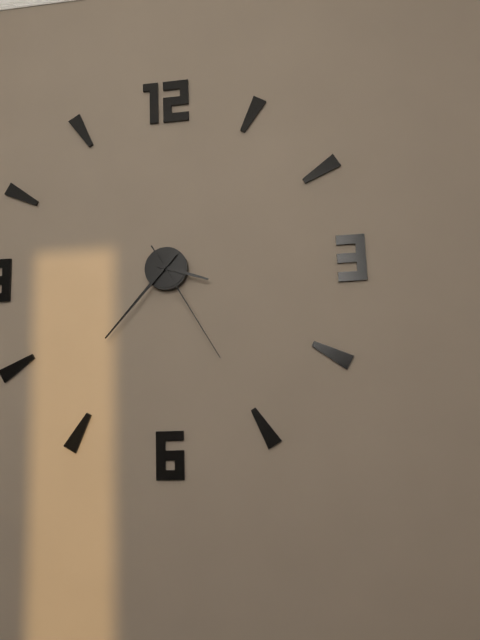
h=3 m=37 s=25
